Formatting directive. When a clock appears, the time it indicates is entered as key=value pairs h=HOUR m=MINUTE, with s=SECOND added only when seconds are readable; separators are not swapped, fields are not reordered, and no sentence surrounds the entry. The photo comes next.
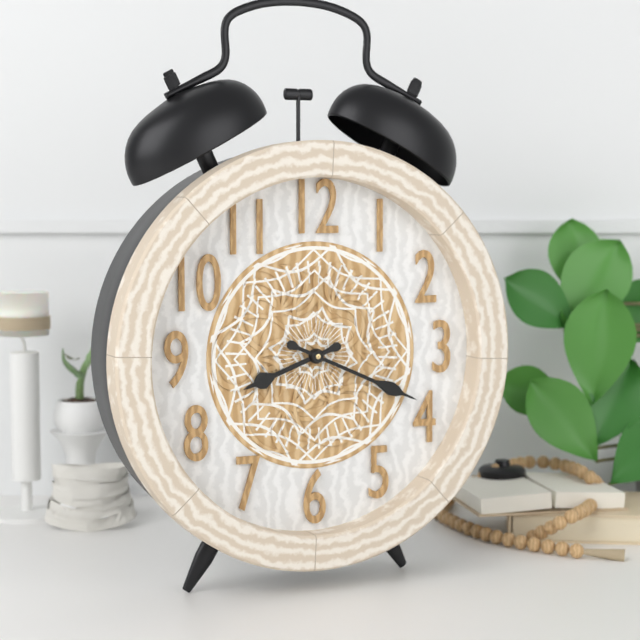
h=8 m=19
